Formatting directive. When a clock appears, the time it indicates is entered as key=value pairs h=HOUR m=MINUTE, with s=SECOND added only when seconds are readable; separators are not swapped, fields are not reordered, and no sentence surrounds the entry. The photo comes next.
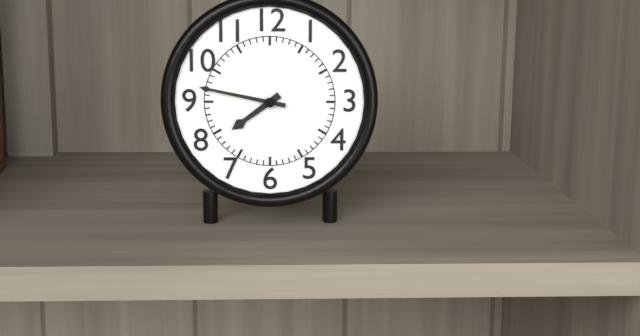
h=7 m=47
